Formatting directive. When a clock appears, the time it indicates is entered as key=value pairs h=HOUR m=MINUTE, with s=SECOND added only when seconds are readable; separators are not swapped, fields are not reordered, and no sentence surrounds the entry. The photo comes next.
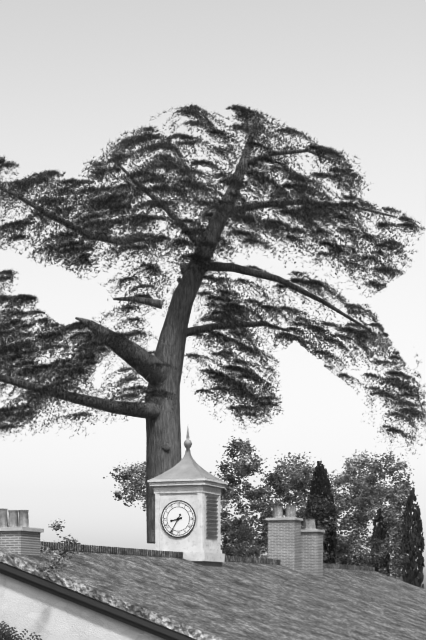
h=8 m=35
